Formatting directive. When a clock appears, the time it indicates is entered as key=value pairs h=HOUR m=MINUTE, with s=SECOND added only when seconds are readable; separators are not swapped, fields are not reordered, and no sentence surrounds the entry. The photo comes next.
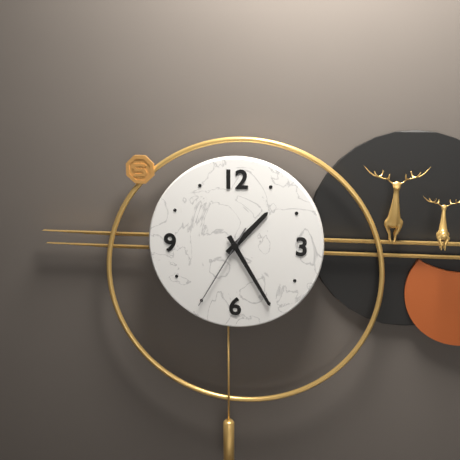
h=1 m=25 s=35
